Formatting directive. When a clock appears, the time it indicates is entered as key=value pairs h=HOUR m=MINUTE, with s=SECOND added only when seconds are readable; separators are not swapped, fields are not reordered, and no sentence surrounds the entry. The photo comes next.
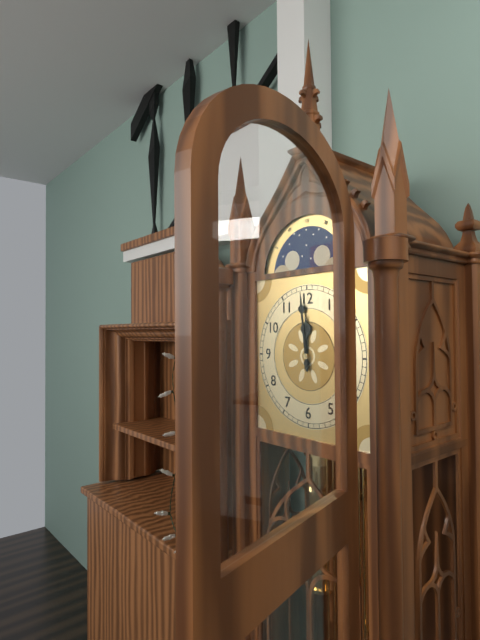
h=11 m=59
